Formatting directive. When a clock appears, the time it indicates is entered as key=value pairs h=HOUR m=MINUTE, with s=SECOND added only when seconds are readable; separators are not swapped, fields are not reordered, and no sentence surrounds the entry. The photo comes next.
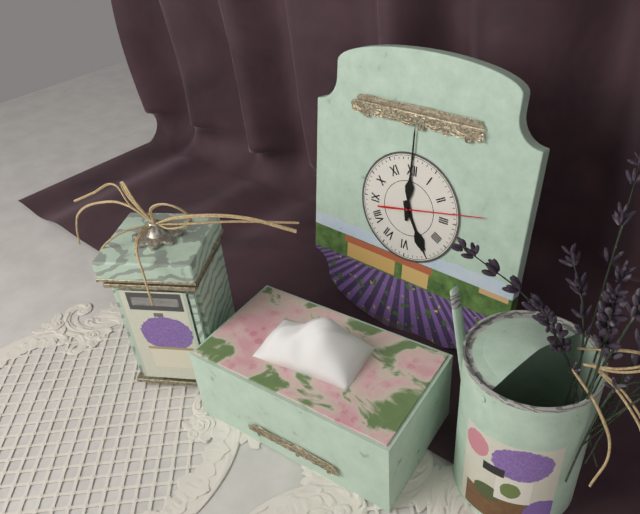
h=5 m=0 s=13
